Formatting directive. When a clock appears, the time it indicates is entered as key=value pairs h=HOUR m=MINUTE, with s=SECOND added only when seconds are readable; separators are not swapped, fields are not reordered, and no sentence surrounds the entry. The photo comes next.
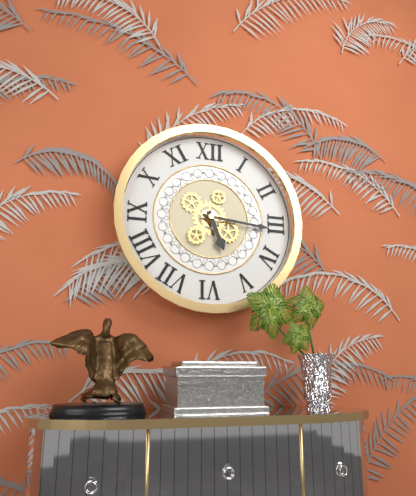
h=5 m=16
